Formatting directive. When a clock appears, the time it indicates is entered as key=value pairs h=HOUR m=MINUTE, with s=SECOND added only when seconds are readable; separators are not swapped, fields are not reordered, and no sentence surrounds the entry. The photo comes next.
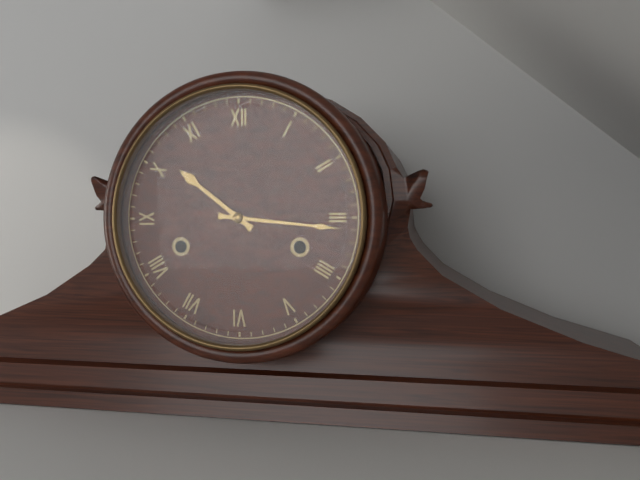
h=10 m=16
